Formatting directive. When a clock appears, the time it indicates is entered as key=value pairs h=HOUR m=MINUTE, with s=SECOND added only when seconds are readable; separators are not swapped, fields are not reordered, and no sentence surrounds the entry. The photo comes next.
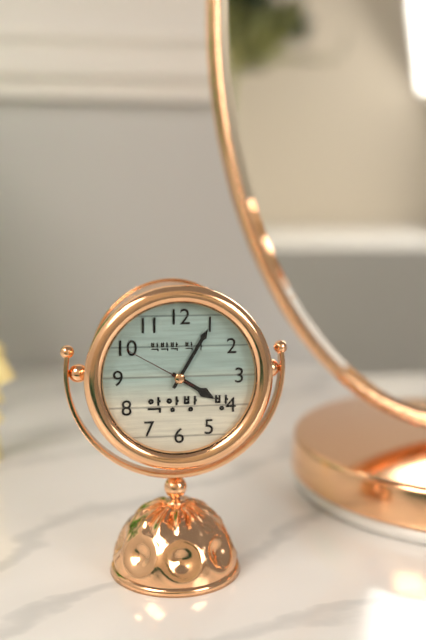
h=4 m=5 s=50
